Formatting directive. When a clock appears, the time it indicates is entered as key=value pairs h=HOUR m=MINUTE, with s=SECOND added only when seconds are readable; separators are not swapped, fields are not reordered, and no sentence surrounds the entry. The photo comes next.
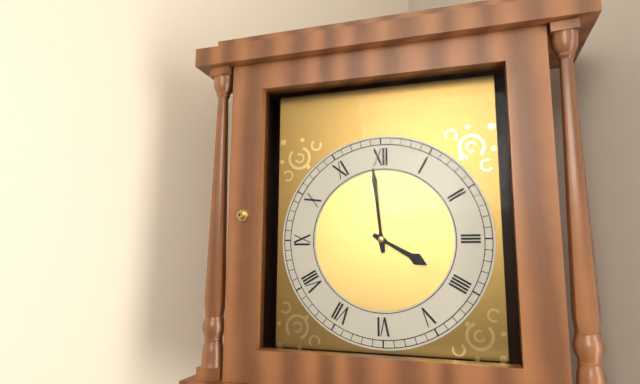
h=3 m=59
